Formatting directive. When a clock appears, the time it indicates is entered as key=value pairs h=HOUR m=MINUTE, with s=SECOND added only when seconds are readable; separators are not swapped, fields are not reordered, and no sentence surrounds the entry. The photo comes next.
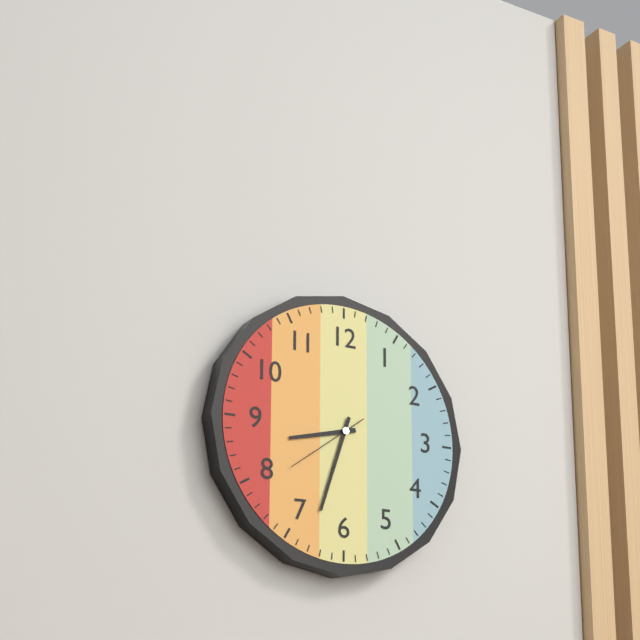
h=8 m=33 s=39
